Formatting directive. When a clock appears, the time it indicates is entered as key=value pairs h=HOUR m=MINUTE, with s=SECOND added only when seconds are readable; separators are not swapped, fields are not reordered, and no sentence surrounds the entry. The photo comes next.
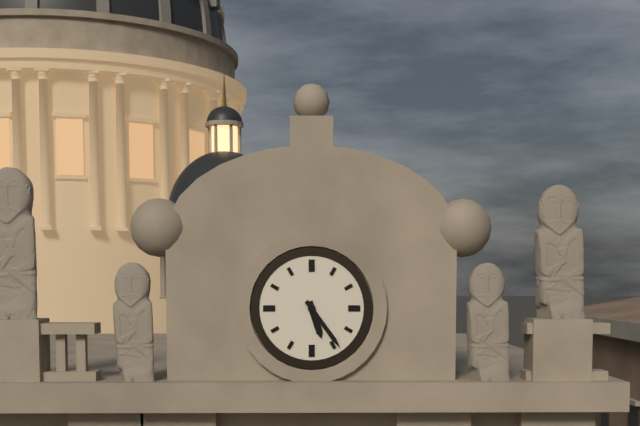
h=5 m=24
